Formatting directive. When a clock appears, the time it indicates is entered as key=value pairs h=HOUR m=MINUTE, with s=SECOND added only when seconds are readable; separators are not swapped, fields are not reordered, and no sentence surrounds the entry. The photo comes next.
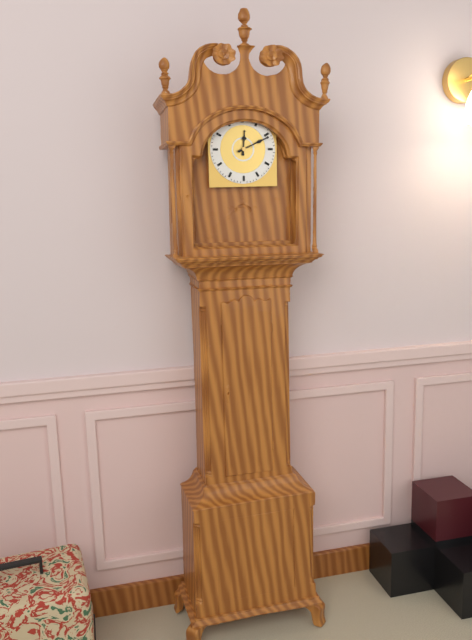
h=12 m=11
